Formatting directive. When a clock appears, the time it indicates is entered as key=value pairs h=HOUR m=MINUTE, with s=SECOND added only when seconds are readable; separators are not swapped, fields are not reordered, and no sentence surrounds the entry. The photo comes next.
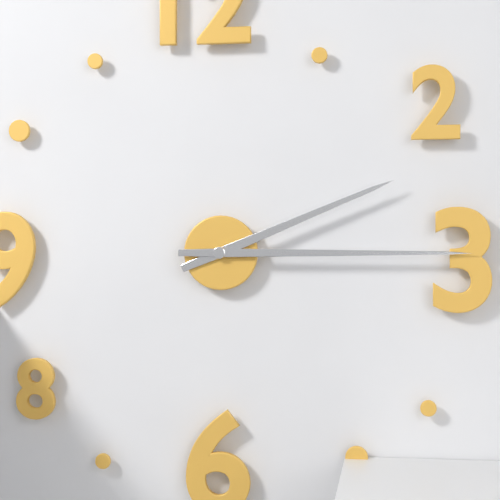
h=2 m=15
